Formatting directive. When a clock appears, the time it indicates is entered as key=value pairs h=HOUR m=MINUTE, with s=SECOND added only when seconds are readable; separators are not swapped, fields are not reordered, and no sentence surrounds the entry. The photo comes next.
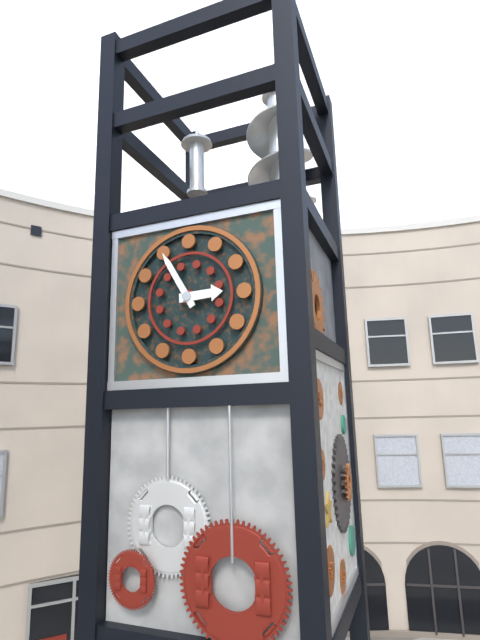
h=2 m=55
